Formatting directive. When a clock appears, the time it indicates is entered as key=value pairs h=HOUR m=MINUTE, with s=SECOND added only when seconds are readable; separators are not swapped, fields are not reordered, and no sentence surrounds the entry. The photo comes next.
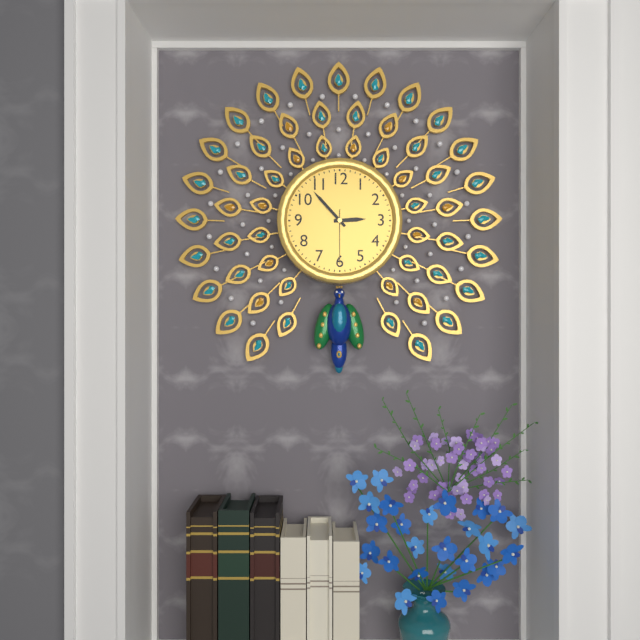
h=2 m=53 s=30
